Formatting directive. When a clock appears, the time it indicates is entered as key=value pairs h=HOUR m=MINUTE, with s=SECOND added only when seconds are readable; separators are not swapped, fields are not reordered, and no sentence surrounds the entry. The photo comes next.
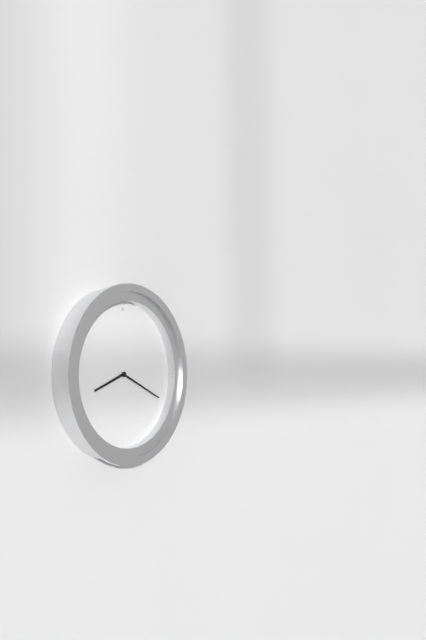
h=8 m=19
